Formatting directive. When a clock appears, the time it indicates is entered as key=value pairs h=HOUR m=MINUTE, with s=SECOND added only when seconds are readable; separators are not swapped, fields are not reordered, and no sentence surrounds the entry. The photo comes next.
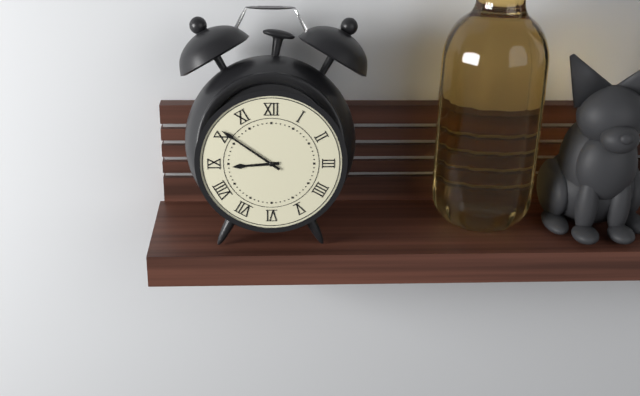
h=8 m=51
